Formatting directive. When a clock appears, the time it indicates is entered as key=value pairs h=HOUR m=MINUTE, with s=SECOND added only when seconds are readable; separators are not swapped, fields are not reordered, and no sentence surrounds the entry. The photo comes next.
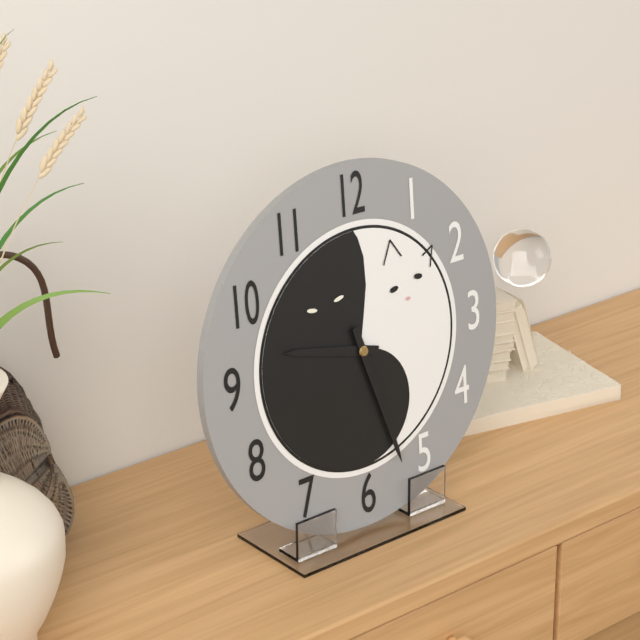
h=9 m=27
